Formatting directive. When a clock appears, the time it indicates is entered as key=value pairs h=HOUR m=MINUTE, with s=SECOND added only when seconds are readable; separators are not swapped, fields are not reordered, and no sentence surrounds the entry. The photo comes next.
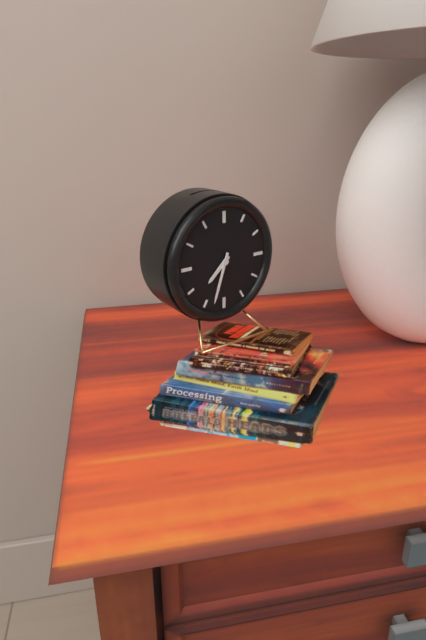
h=7 m=33
